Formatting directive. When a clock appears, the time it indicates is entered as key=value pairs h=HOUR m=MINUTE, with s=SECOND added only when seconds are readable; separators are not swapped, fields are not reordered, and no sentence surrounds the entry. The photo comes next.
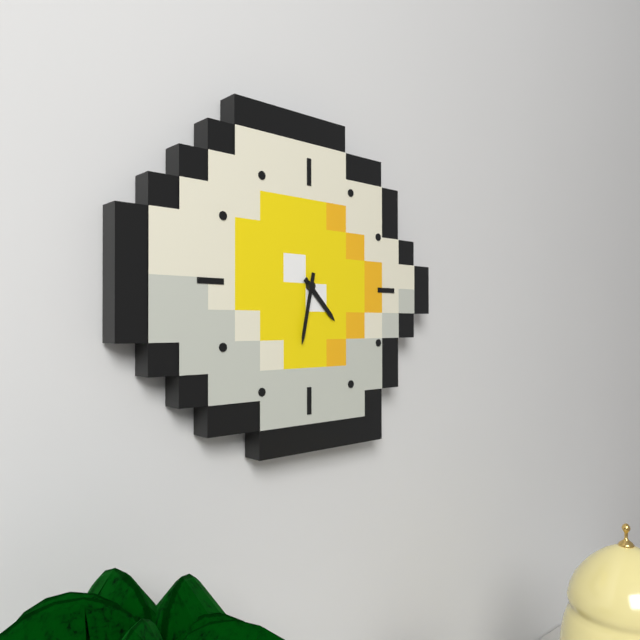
h=4 m=32
